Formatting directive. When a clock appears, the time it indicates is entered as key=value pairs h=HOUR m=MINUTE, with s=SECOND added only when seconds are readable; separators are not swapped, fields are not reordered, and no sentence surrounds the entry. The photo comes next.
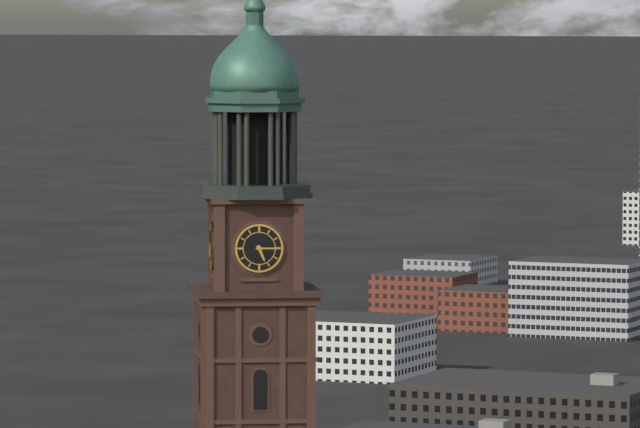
h=5 m=15
